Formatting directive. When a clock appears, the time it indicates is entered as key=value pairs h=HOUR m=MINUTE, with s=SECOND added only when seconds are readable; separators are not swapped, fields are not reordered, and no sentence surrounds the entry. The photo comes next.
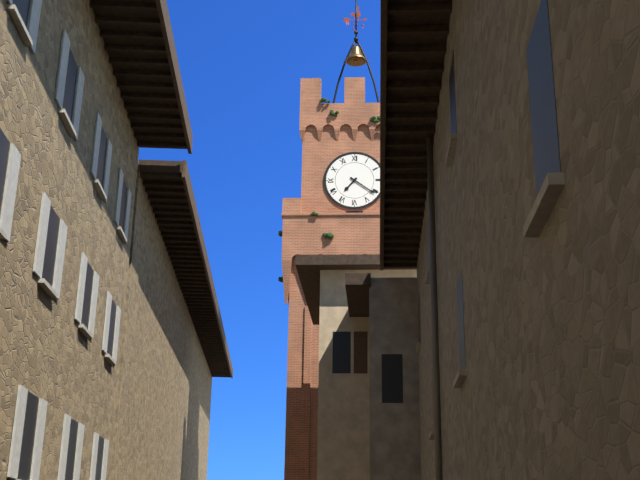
h=7 m=21
